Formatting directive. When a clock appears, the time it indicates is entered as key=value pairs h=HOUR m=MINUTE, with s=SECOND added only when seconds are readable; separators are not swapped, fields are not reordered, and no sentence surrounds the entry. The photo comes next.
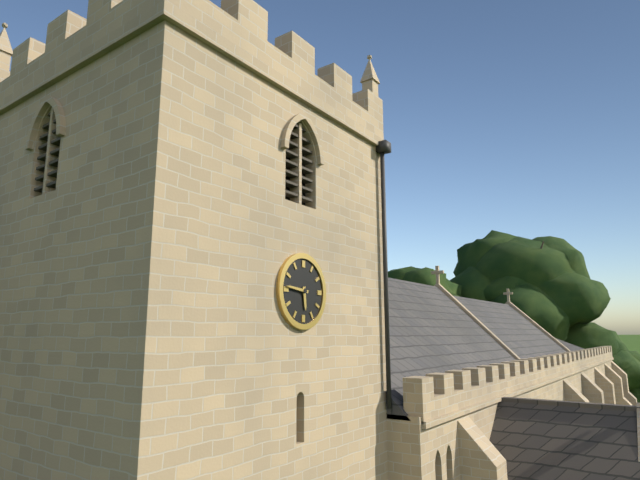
h=5 m=46
